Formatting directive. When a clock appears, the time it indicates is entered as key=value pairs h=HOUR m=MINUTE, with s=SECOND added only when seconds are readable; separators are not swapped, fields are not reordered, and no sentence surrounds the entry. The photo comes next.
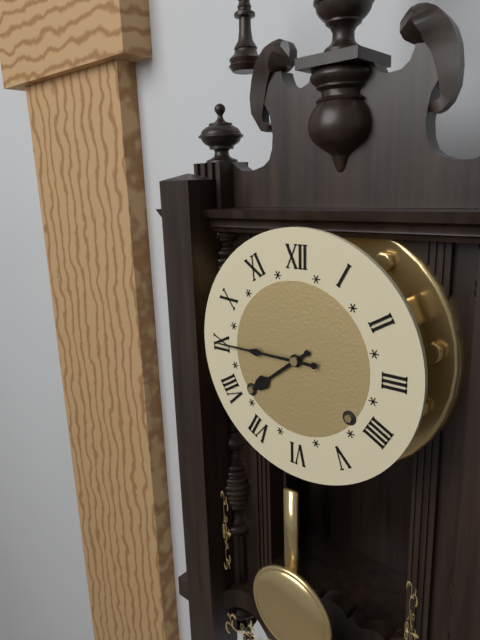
h=7 m=45
